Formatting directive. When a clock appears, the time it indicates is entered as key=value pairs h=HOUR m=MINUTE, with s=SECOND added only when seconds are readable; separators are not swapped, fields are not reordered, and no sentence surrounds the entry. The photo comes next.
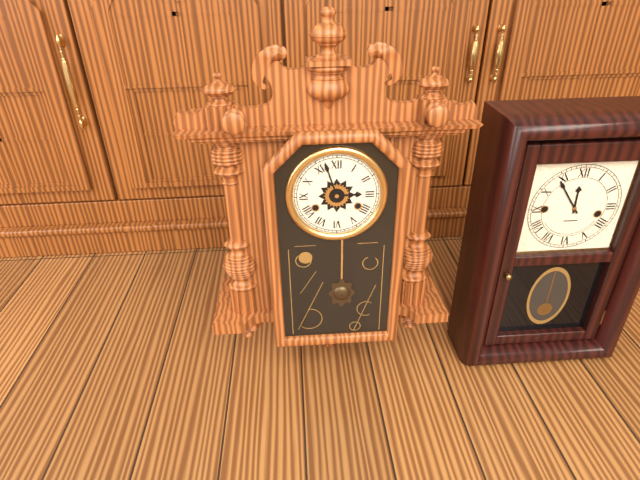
h=2 m=57
